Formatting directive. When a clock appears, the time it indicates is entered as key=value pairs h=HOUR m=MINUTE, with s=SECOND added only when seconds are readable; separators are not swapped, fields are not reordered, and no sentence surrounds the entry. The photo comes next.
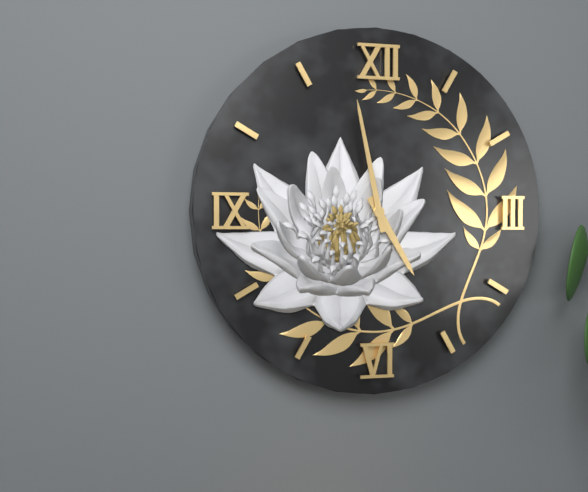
h=4 m=58
